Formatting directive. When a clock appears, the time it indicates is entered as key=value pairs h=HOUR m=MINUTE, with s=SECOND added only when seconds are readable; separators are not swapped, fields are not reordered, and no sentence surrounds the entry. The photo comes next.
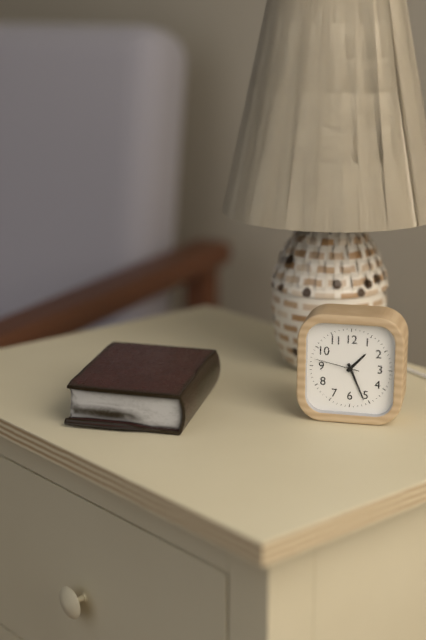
h=1 m=26
